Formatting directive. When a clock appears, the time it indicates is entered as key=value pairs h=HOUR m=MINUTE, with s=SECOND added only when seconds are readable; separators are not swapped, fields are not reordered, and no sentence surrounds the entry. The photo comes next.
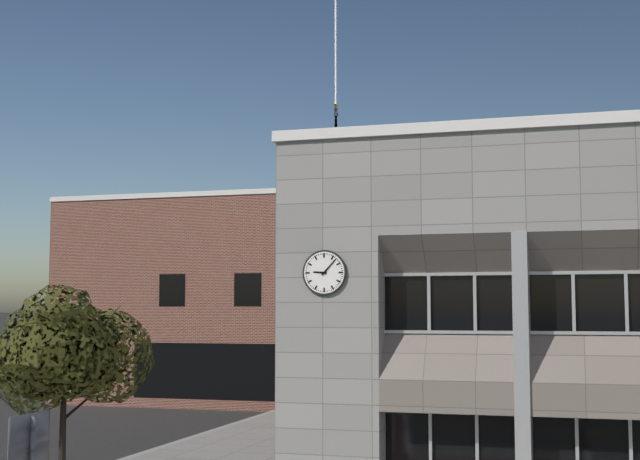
h=9 m=7
